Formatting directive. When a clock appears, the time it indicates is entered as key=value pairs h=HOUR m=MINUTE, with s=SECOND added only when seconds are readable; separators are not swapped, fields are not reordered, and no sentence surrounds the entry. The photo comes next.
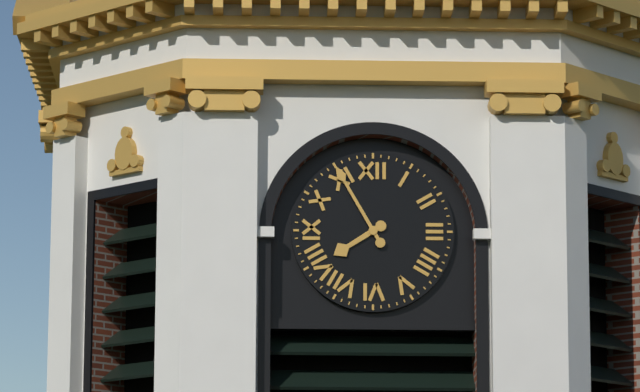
h=7 m=55
